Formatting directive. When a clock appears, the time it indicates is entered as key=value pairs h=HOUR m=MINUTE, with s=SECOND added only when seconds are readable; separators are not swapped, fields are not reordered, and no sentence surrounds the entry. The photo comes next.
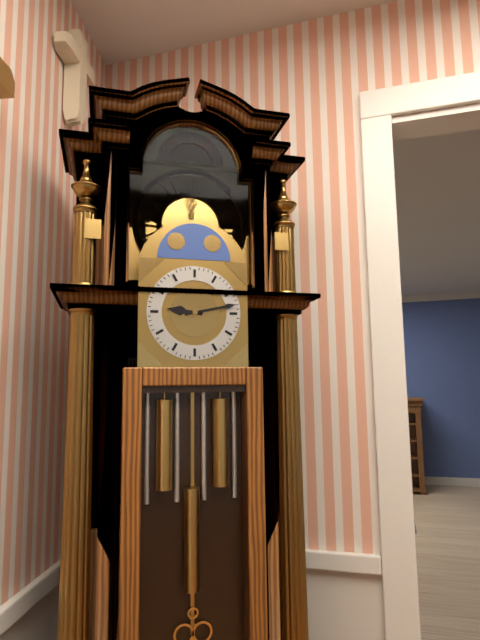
h=9 m=13
